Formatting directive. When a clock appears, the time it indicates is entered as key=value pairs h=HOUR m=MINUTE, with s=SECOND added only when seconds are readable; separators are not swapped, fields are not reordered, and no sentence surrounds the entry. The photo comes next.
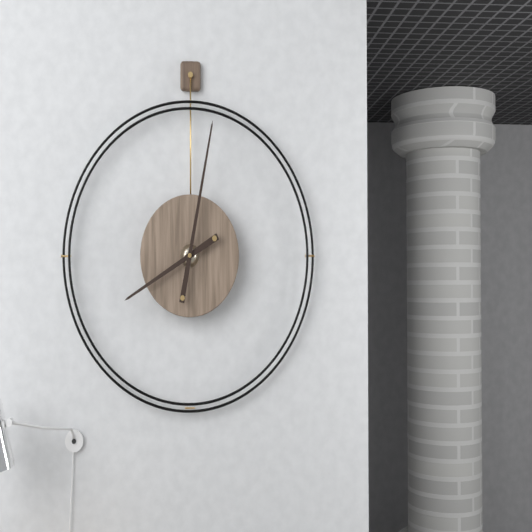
h=8 m=2
